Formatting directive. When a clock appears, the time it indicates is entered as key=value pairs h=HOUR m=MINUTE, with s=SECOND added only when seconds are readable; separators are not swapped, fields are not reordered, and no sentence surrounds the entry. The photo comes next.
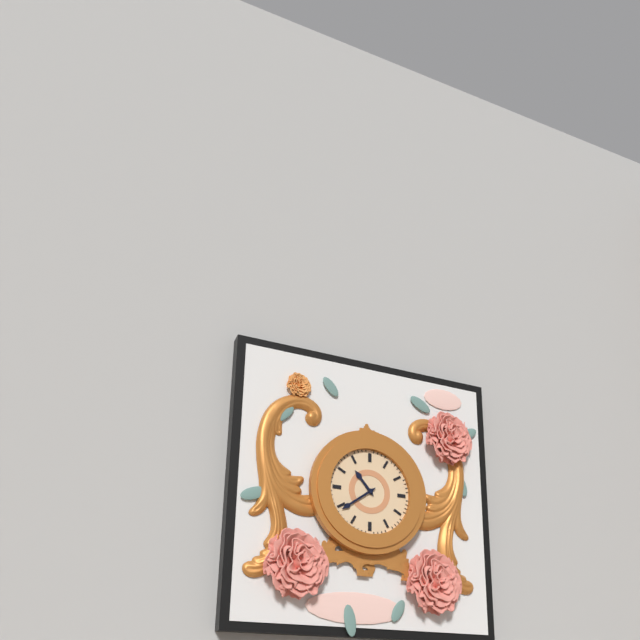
h=10 m=39
